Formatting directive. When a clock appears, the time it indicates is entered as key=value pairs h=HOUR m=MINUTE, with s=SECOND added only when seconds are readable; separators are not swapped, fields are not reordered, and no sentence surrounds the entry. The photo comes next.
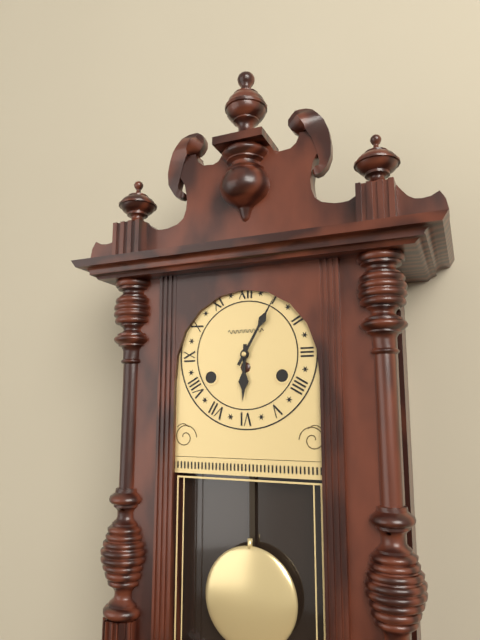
h=6 m=5
